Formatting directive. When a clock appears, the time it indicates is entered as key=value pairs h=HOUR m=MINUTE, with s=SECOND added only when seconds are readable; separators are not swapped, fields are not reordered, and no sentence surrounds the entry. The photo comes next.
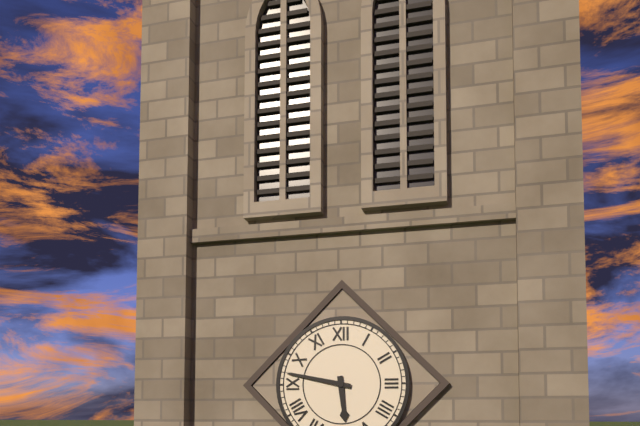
h=5 m=47
